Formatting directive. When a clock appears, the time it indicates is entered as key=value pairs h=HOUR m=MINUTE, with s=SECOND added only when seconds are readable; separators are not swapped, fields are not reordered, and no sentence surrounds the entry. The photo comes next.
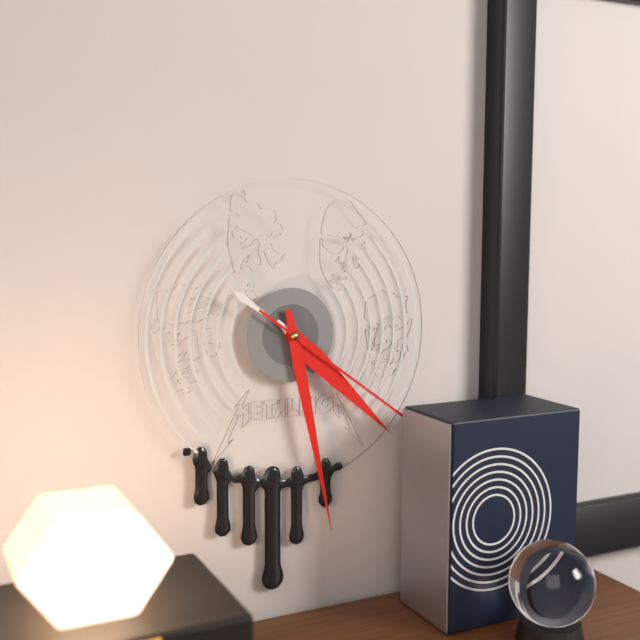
h=4 m=28
